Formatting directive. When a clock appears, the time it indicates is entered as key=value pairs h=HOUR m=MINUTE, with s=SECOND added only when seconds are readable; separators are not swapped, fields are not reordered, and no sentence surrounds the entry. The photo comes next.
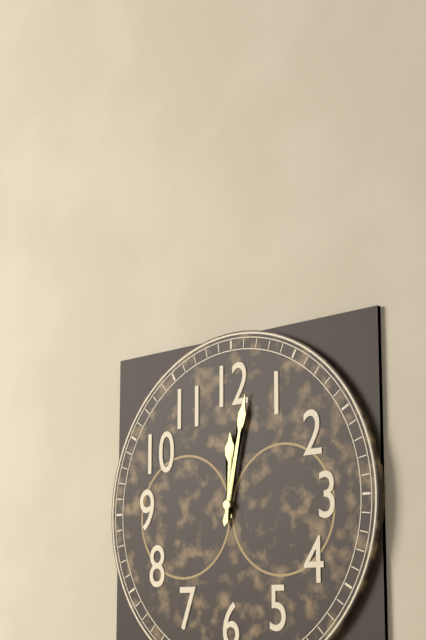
h=12 m=2
